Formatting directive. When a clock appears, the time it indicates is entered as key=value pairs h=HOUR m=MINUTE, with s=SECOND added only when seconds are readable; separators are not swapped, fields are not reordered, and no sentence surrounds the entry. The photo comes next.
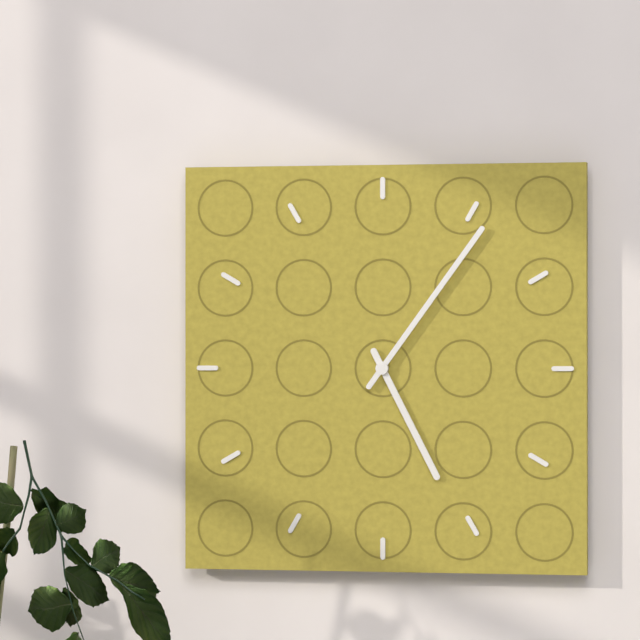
h=5 m=6
